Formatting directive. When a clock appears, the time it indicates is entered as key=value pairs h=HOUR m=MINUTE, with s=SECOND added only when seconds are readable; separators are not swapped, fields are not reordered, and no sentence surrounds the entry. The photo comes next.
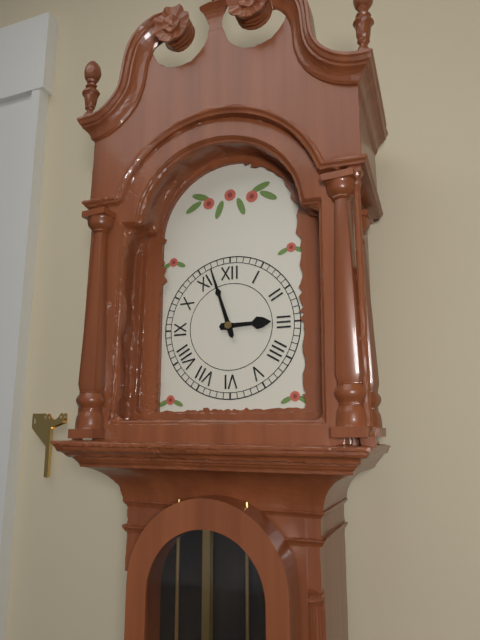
h=2 m=57
